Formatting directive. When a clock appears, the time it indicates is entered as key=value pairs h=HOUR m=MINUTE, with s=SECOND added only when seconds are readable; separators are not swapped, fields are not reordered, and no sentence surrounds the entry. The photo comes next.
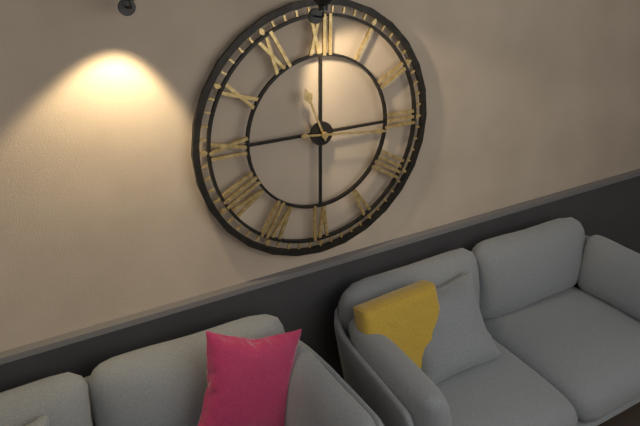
h=11 m=16
